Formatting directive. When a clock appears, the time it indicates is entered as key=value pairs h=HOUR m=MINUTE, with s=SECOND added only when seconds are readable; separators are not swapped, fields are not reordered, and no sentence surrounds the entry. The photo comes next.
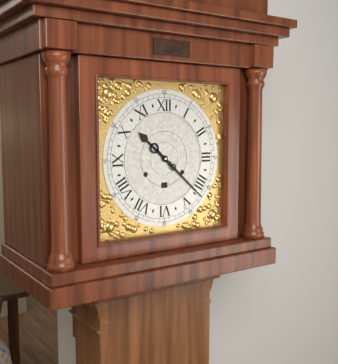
h=10 m=22
